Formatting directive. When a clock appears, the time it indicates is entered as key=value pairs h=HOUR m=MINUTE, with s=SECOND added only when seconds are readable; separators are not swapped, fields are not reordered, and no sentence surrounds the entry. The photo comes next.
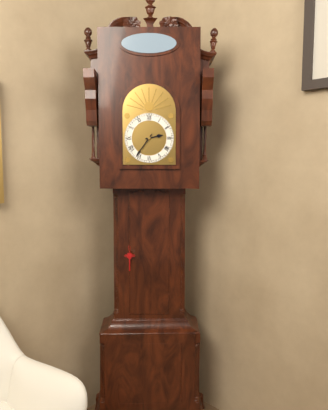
h=2 m=36
